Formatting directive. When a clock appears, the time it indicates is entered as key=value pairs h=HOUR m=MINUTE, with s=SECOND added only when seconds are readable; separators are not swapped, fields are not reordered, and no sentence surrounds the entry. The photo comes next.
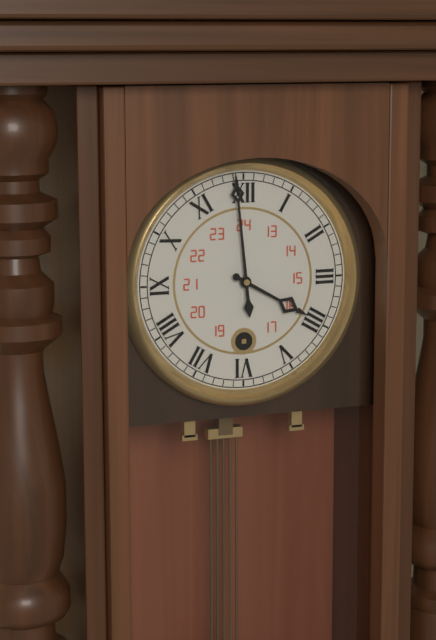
h=3 m=59
